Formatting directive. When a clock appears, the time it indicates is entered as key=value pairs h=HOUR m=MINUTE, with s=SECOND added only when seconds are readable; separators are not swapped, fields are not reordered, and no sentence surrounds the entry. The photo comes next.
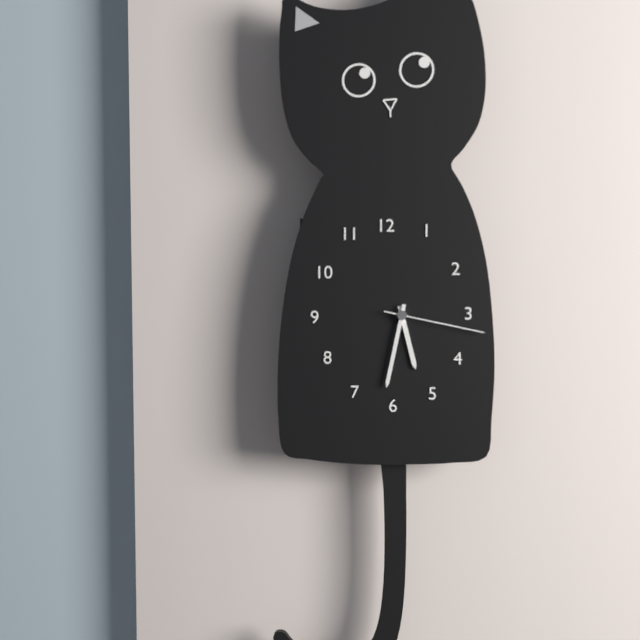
h=5 m=32 s=17
